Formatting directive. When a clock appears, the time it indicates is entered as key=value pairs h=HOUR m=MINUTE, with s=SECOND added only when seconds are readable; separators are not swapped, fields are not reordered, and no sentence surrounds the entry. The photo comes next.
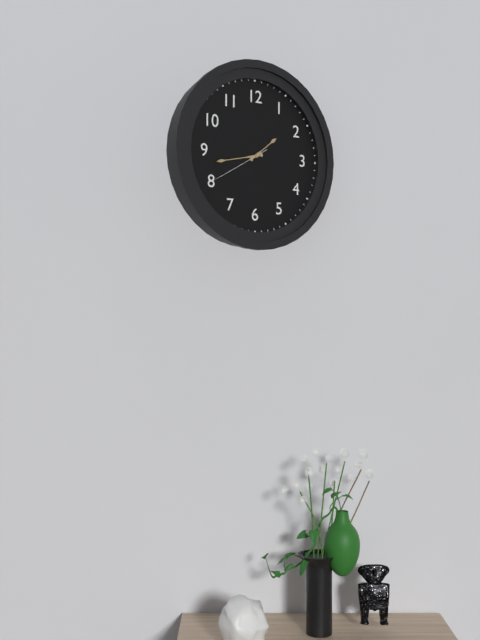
h=1 m=43 s=40
